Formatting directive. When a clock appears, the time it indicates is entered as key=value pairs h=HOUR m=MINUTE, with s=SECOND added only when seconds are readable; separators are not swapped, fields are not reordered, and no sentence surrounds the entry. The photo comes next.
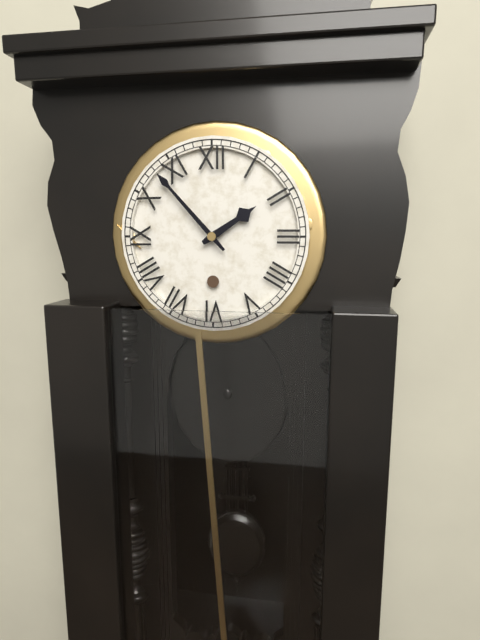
h=1 m=53
